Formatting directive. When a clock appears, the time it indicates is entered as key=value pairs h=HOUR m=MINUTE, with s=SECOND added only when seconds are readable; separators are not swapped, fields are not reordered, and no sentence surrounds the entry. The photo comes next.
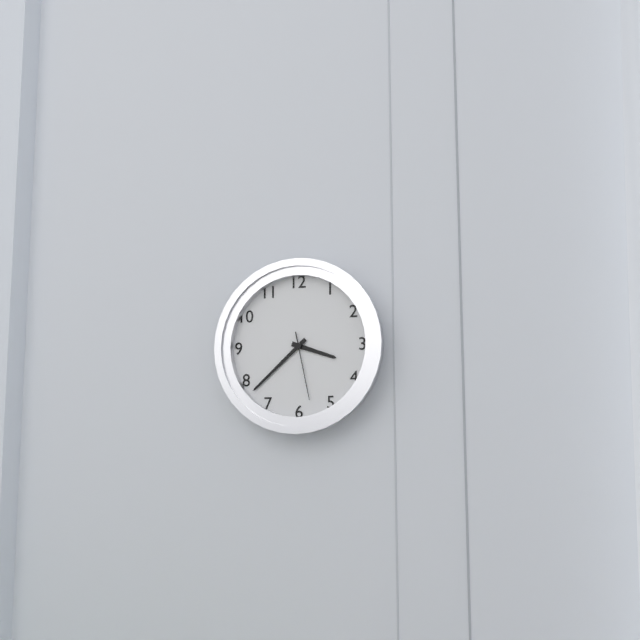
h=3 m=38 s=28
